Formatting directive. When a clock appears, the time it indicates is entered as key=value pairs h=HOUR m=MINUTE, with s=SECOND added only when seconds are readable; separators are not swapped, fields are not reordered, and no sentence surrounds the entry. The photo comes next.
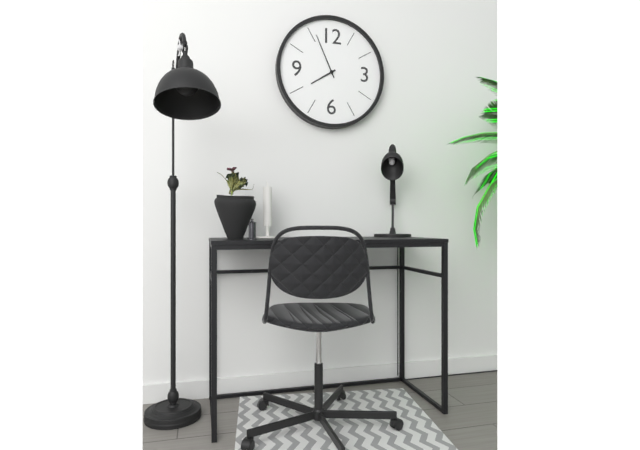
h=7 m=56
